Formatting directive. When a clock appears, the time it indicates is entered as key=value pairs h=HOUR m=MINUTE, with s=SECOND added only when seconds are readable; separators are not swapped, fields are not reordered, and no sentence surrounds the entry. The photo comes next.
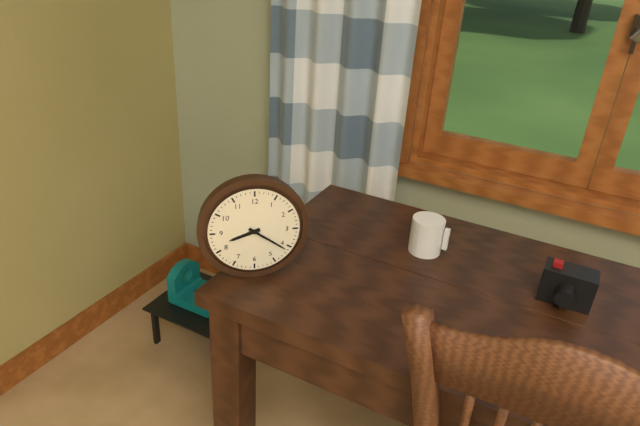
h=8 m=21
